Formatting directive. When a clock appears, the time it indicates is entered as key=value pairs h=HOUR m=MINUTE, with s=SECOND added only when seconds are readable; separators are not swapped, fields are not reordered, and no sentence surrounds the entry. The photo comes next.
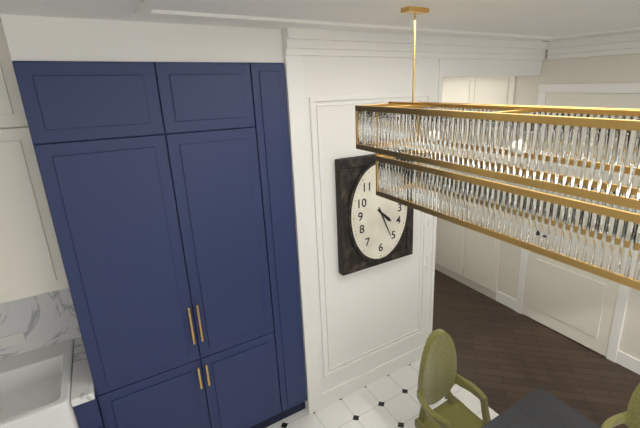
h=4 m=26
